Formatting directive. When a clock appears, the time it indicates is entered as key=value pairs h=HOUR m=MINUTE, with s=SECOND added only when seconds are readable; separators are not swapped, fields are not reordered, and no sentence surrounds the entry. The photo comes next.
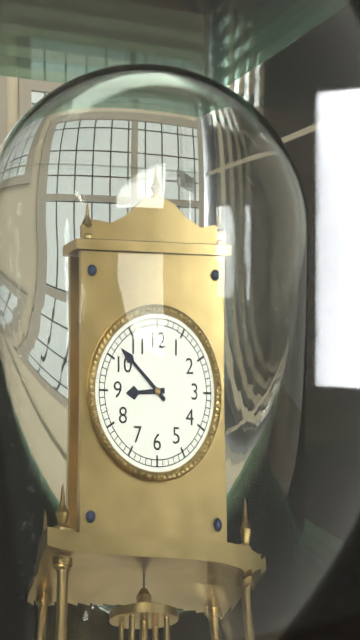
h=8 m=52
